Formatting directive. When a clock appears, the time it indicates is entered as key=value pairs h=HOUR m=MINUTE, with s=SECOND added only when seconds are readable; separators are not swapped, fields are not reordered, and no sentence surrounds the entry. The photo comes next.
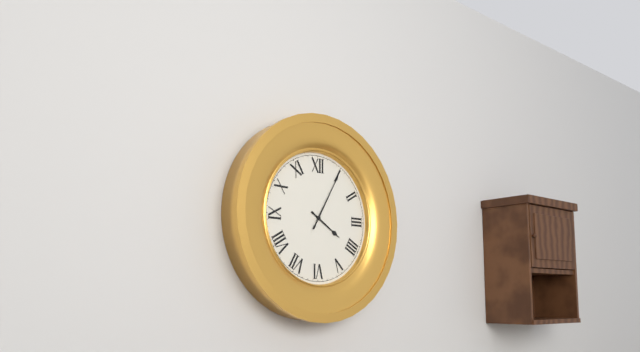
h=4 m=5
